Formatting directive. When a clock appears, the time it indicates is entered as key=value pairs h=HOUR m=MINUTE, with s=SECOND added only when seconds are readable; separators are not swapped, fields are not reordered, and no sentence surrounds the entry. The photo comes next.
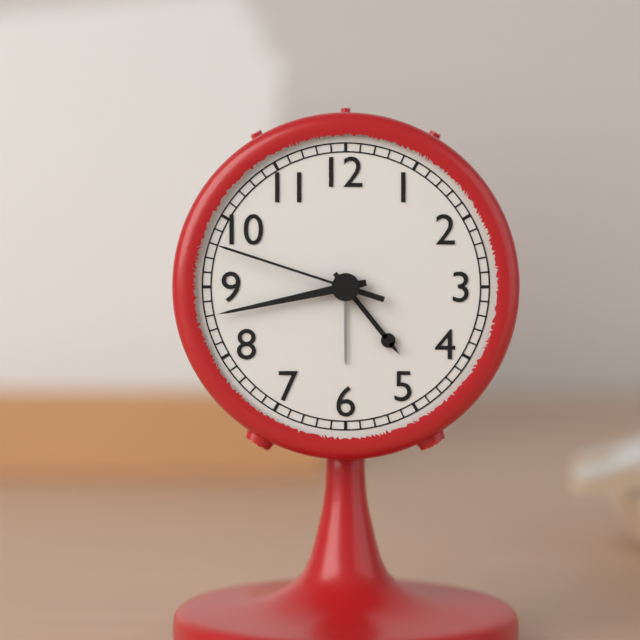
h=4 m=43 s=48
